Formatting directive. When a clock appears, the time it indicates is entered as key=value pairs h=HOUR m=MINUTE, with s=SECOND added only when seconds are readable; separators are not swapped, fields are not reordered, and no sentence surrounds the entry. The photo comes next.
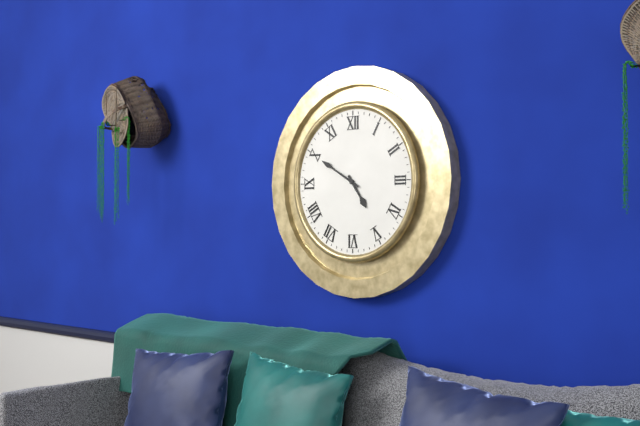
h=4 m=50
